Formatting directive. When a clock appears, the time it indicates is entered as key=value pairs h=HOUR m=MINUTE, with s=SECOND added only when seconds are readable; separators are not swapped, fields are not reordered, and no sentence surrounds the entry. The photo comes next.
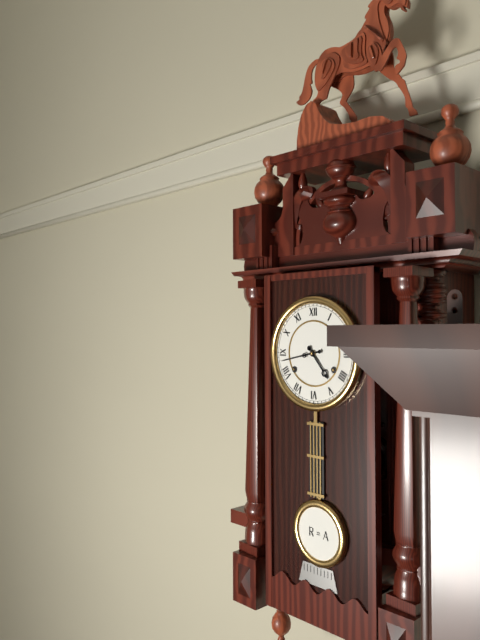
h=4 m=43
